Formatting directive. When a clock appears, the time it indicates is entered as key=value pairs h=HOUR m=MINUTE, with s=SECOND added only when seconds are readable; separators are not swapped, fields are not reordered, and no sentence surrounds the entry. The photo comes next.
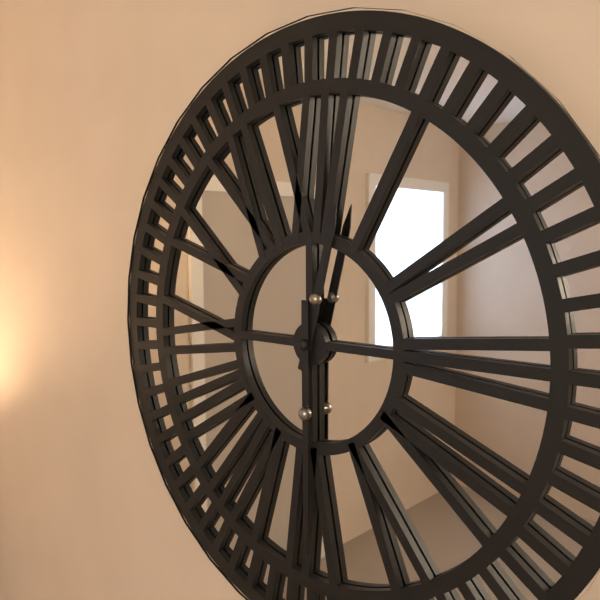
h=12 m=30
